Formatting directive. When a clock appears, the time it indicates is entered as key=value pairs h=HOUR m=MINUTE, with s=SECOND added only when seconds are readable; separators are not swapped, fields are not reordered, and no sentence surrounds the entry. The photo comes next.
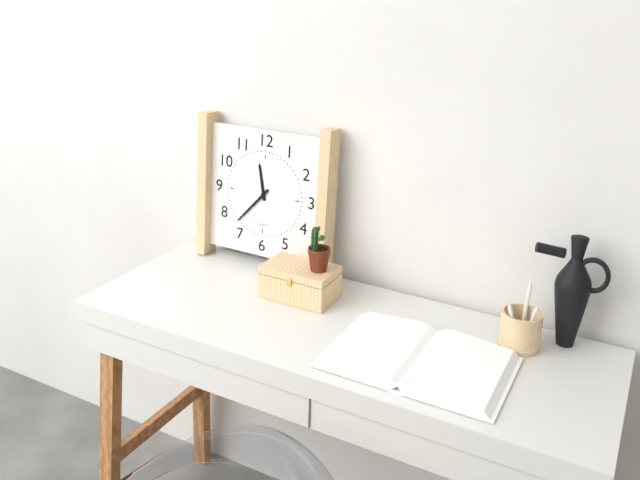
h=11 m=37
